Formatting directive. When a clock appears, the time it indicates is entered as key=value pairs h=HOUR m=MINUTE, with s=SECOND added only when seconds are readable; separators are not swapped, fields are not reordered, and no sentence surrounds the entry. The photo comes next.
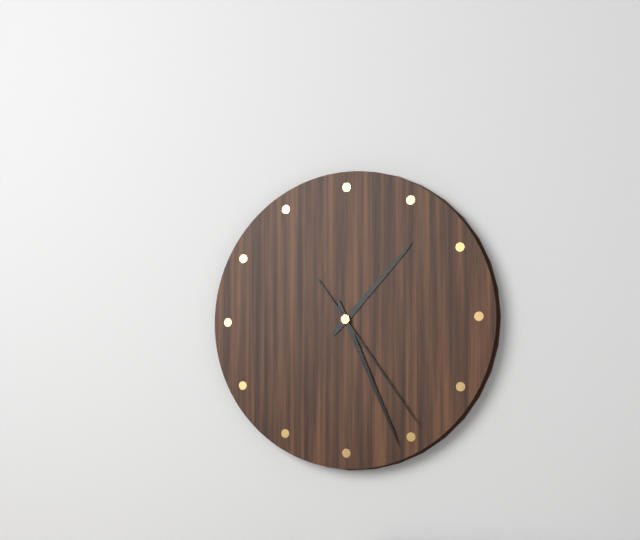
h=1 m=26 s=24
